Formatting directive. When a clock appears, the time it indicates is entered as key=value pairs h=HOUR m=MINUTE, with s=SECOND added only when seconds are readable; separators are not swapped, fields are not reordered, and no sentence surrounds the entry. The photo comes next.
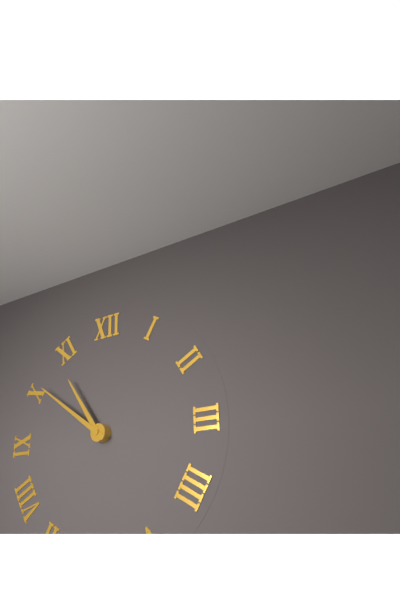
h=10 m=51
